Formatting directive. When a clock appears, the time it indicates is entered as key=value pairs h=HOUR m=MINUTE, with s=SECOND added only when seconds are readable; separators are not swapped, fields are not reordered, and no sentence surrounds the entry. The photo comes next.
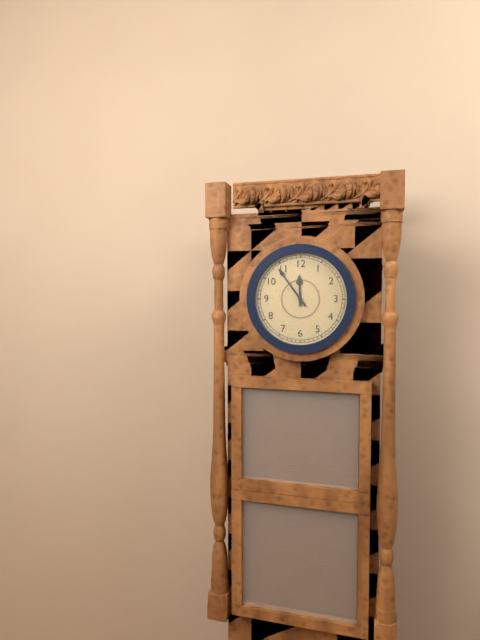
h=11 m=54
